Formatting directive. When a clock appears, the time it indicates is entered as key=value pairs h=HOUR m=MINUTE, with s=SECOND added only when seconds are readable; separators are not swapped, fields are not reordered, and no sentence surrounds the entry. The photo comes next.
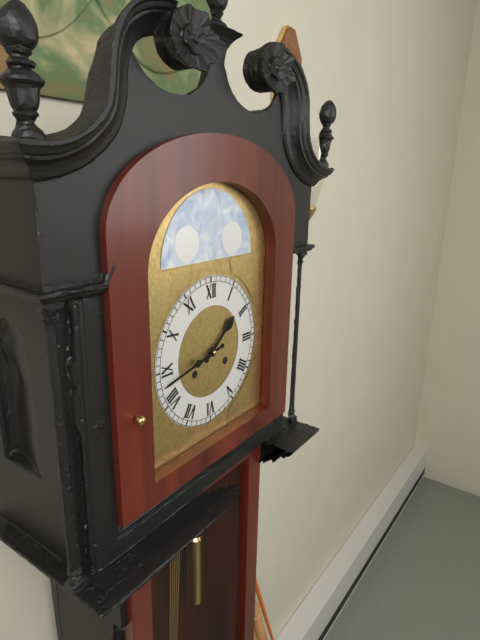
h=1 m=43
